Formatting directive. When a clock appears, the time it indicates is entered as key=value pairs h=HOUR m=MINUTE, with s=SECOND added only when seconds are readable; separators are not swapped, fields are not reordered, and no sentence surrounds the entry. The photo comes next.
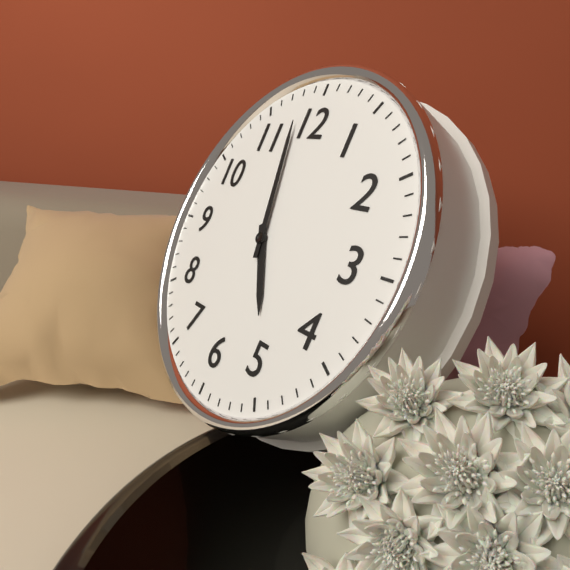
h=4 m=58
